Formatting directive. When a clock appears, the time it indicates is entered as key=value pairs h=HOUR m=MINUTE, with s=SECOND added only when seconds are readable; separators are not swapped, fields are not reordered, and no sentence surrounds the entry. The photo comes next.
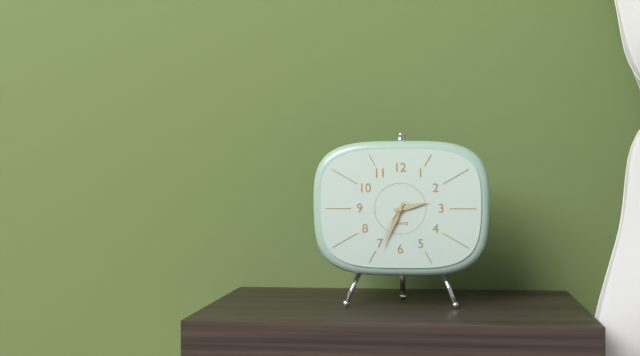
h=2 m=34
